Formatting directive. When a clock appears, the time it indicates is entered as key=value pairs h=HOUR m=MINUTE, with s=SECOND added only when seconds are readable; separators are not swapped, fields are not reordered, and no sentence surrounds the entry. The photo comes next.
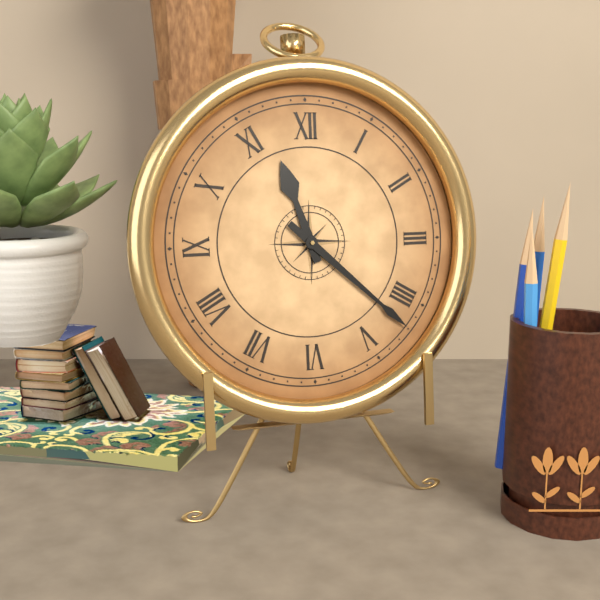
h=11 m=22
